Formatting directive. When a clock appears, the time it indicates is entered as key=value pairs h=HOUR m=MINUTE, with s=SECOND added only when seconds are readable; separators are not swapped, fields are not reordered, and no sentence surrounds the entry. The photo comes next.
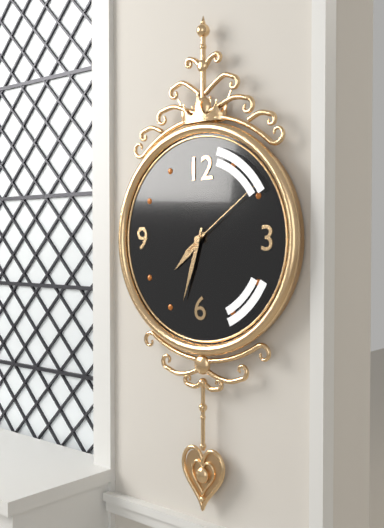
h=7 m=33 s=9
